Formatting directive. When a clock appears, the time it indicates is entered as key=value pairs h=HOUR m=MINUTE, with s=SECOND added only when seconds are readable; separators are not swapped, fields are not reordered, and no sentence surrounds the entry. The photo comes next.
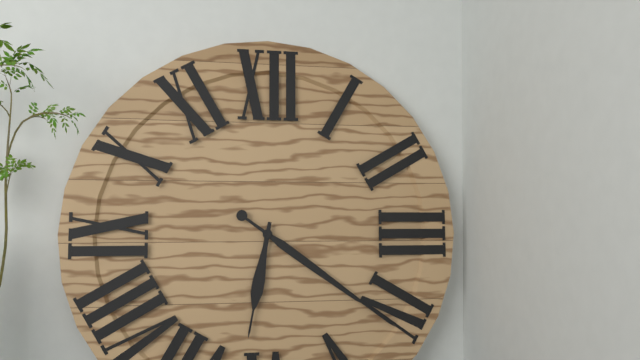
h=6 m=21
